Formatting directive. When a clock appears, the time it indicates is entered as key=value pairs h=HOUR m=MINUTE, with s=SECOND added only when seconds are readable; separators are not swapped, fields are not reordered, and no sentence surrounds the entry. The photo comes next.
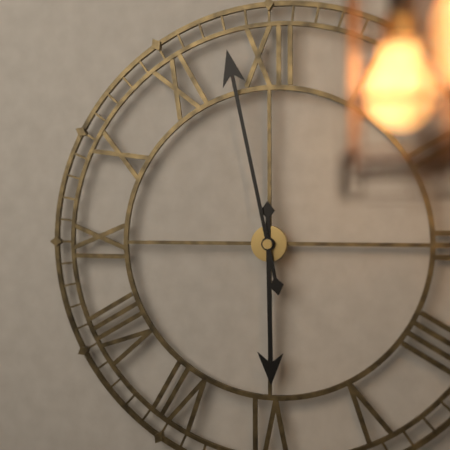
h=5 m=58
